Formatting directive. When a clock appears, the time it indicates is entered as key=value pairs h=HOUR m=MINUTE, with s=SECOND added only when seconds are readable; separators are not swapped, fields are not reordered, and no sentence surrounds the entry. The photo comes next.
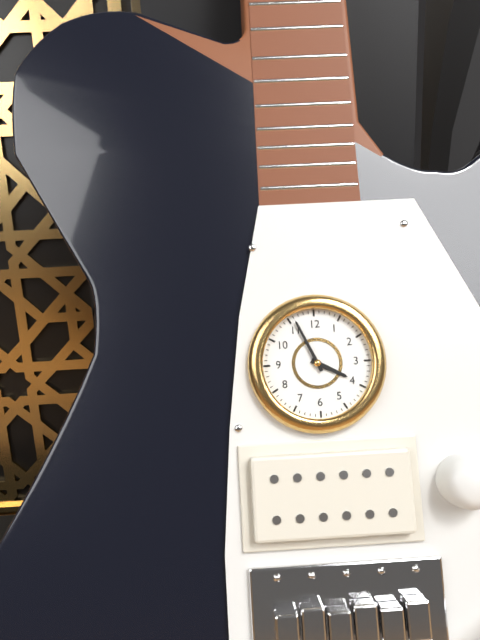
h=3 m=56
